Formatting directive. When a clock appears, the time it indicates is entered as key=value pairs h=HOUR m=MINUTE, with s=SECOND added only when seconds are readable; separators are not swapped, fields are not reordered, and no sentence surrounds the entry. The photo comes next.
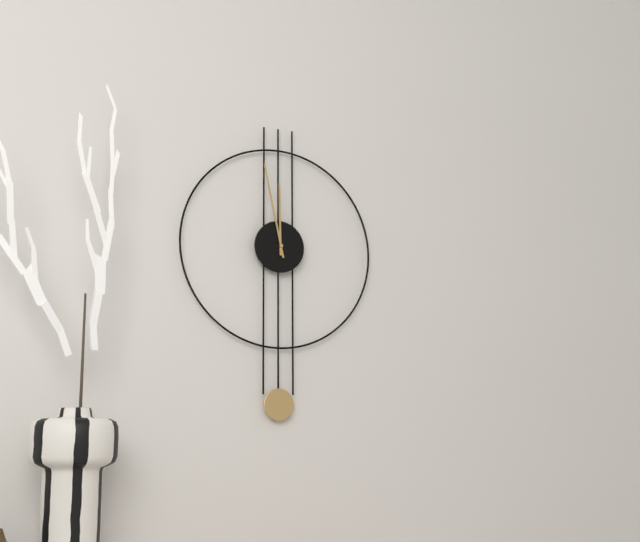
h=11 m=58
